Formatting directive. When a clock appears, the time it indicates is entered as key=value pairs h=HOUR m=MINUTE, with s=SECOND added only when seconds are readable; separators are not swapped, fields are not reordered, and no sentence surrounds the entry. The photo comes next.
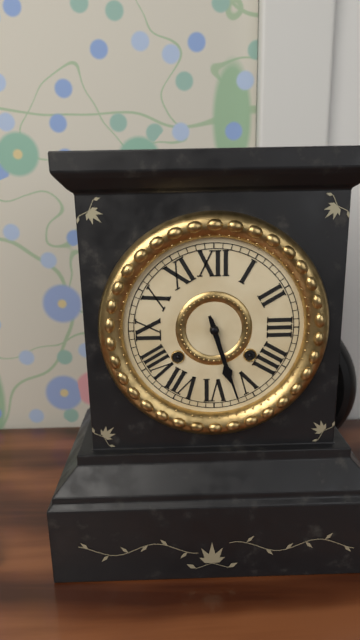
h=5 m=27
